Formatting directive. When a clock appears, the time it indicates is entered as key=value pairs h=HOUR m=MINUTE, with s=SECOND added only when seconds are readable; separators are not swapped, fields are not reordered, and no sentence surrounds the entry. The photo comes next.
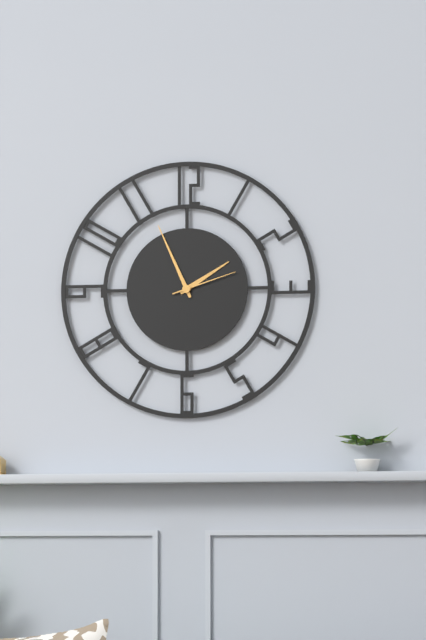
h=1 m=56 s=12
